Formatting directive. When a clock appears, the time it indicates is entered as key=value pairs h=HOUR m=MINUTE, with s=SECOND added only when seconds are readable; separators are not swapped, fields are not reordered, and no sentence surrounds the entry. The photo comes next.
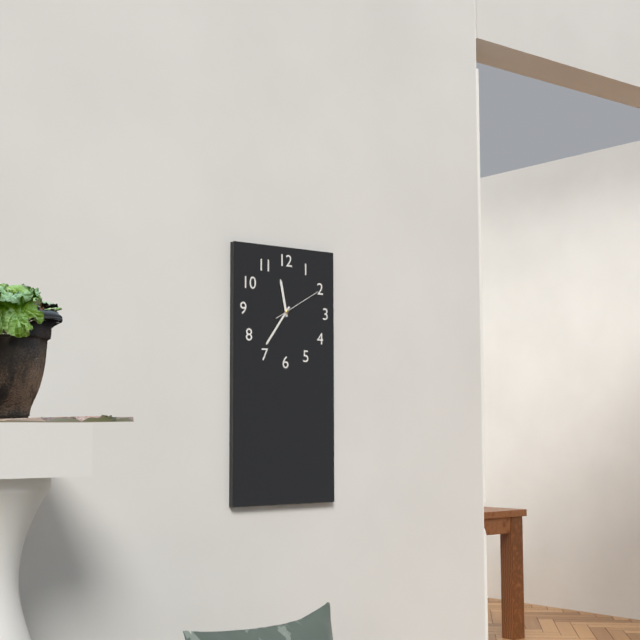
h=11 m=36
